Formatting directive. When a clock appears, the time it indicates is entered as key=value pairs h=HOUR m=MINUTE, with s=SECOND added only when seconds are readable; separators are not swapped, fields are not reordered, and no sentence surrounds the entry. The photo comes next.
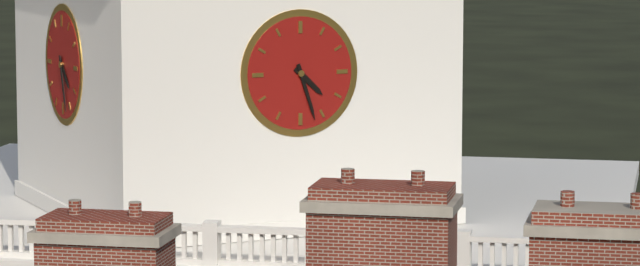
h=4 m=27
